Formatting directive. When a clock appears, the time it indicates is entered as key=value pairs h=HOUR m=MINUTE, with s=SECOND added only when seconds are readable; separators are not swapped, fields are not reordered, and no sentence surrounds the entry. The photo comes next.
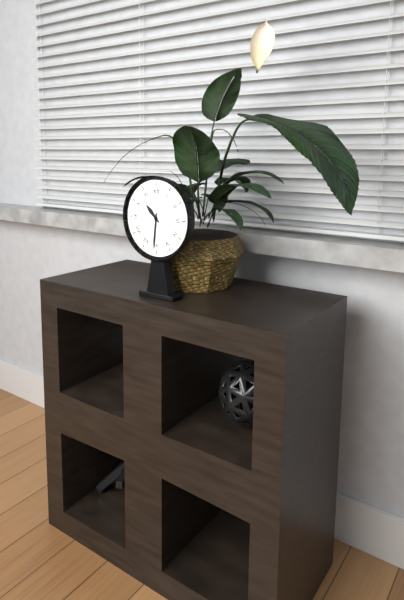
h=10 m=31
